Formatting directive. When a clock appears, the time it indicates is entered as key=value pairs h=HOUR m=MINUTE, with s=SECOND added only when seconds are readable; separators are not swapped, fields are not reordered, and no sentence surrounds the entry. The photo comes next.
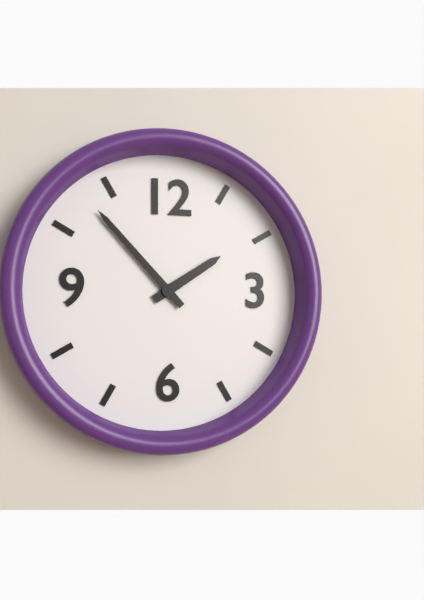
h=1 m=53
